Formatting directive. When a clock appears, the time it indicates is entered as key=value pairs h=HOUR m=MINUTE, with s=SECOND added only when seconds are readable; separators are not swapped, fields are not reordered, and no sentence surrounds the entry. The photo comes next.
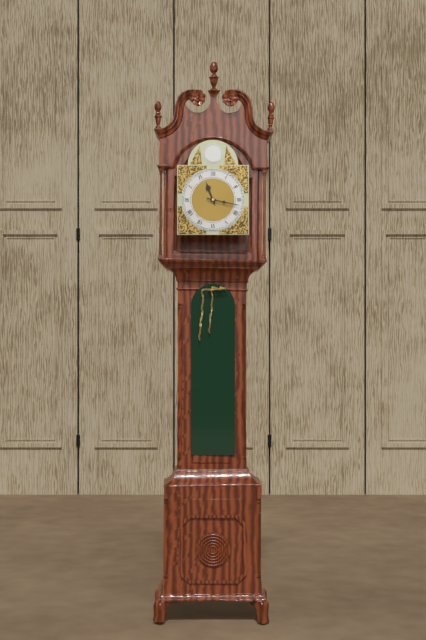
h=11 m=17
